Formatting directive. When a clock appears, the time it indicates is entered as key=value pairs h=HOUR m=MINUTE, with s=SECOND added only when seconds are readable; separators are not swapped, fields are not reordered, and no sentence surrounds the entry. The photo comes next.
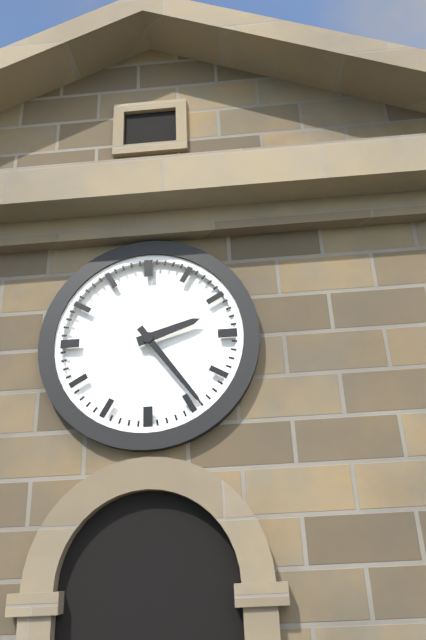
h=2 m=24
